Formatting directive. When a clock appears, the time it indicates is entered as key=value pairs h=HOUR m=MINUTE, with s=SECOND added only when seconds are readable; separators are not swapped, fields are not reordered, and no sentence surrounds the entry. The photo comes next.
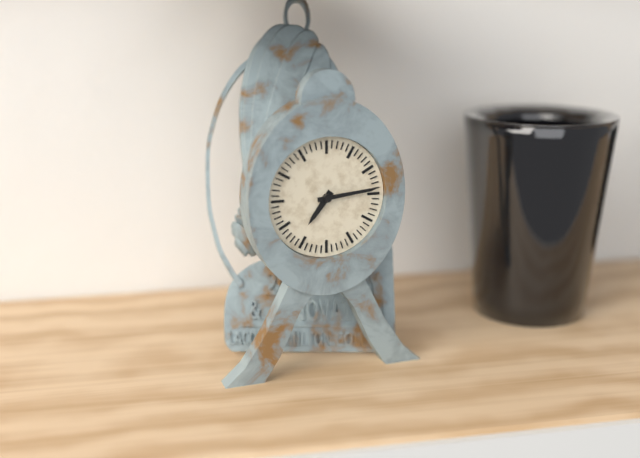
h=7 m=14
